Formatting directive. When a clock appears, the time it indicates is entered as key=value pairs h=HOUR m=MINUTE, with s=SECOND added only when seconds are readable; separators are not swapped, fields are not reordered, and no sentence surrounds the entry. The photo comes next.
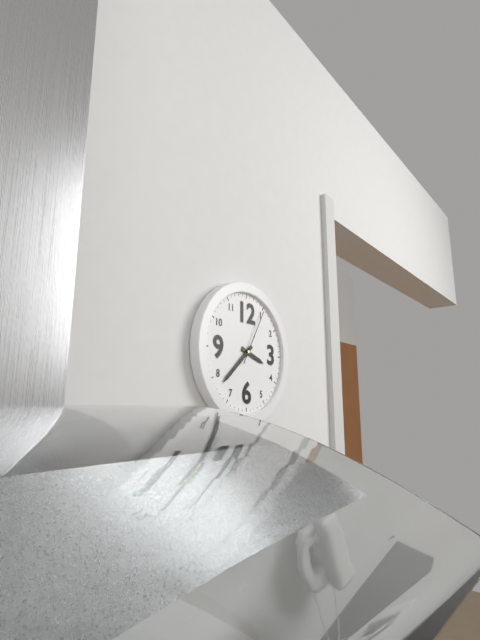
h=3 m=38 s=5
